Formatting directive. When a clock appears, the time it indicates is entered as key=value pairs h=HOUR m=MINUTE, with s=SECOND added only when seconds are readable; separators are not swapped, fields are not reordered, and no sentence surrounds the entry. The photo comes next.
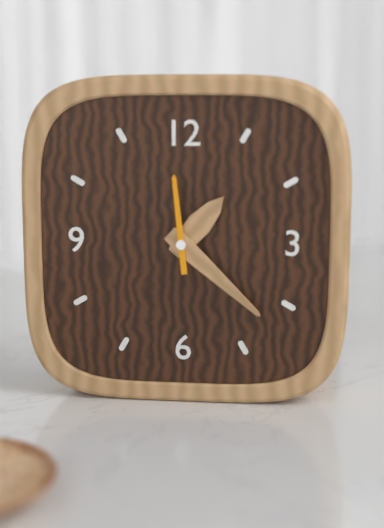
h=1 m=22 s=59
